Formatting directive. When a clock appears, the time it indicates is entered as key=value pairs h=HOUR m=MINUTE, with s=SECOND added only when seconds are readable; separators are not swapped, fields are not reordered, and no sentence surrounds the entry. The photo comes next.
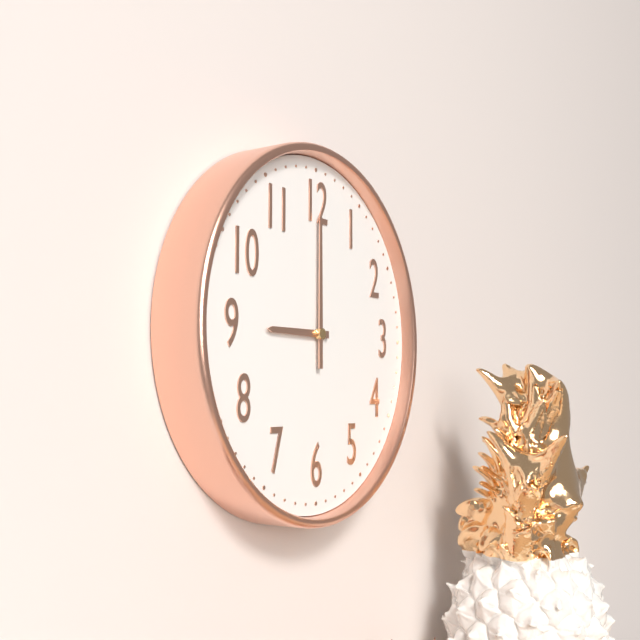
h=9 m=0
